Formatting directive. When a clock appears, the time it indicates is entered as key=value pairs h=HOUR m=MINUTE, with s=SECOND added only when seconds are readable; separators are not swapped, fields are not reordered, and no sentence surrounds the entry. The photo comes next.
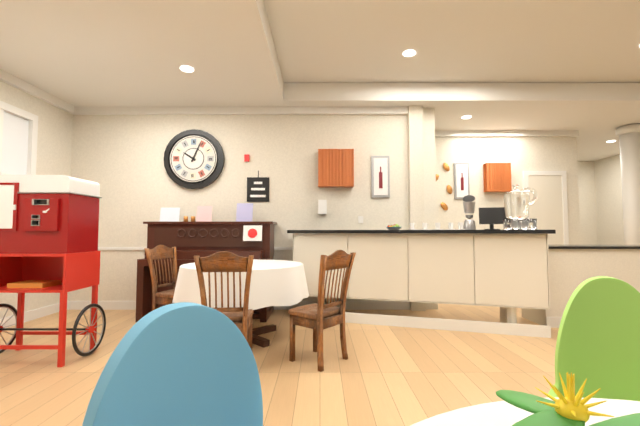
h=10 m=4
